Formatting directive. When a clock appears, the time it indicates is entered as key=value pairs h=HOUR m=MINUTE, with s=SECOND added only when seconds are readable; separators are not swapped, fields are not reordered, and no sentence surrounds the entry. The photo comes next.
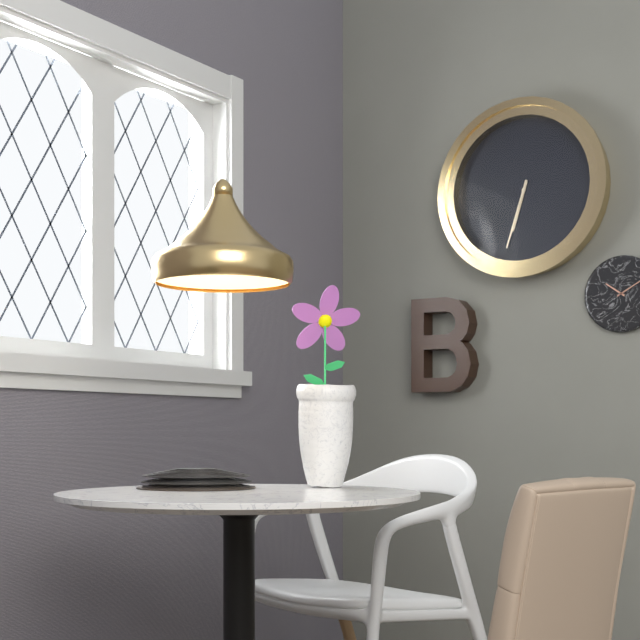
h=6 m=33
